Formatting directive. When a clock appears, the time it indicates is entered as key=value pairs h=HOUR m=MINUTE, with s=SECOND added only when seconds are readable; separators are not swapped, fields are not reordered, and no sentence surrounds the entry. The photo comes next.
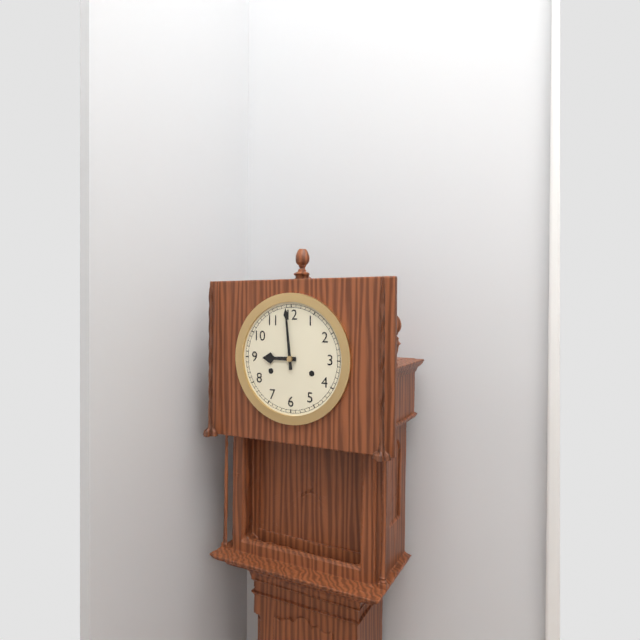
h=8 m=59
